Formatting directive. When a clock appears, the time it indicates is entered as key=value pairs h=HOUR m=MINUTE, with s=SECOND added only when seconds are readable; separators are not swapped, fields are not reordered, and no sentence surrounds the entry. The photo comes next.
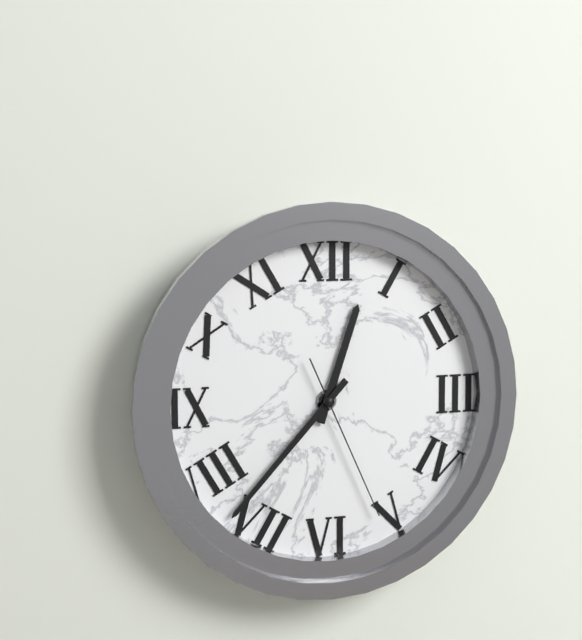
h=12 m=37 s=26
